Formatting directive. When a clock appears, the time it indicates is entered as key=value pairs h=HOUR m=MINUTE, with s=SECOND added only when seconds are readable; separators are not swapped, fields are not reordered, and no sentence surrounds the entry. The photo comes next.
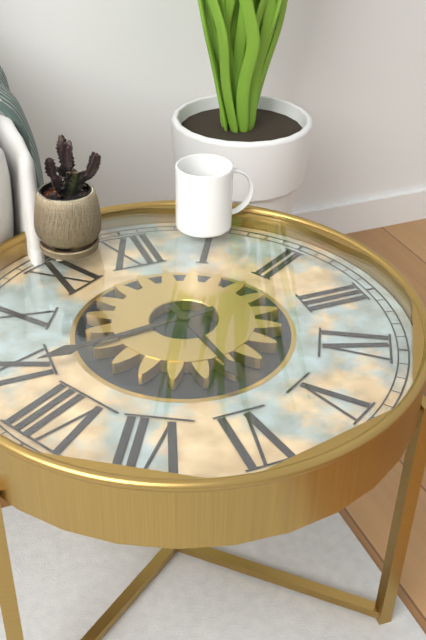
h=5 m=44
